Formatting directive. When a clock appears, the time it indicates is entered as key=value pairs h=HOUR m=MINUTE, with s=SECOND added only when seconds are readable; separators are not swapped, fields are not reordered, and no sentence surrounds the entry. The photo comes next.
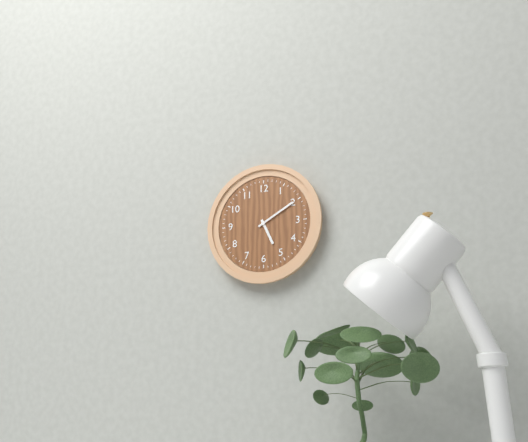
h=5 m=10
